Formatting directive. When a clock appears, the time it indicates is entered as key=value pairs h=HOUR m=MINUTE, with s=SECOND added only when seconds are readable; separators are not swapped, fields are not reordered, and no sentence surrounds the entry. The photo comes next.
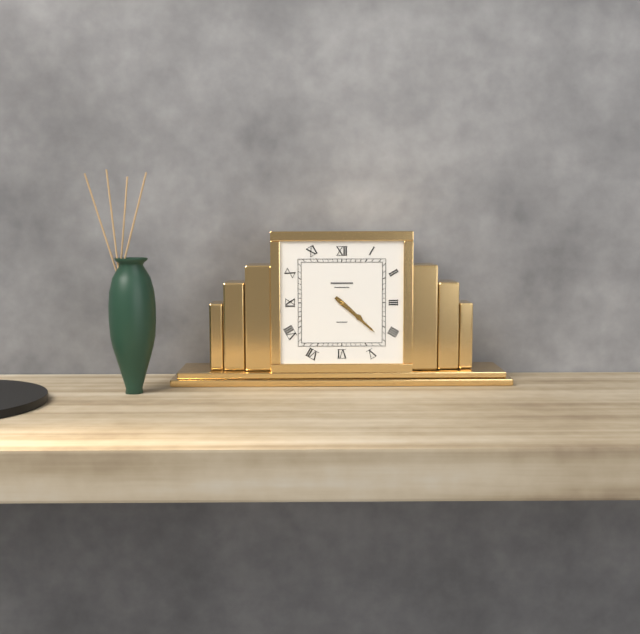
h=4 m=22
